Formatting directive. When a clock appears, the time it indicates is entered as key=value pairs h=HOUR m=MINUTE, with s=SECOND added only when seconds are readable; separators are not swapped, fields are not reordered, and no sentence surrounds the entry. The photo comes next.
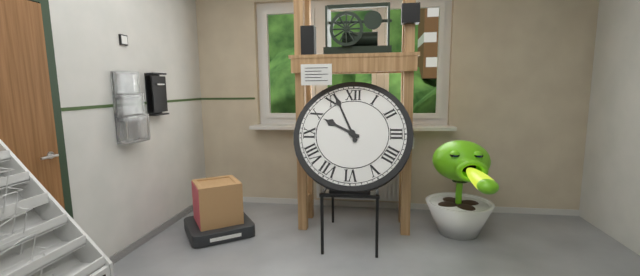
h=9 m=56
